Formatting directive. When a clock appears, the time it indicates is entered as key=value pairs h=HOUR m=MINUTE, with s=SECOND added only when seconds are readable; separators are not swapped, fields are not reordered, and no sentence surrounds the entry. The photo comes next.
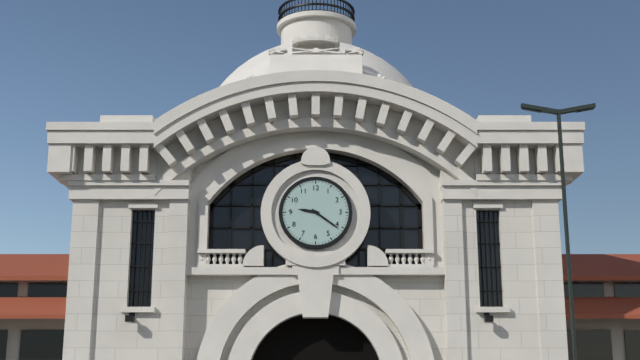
h=9 m=21
